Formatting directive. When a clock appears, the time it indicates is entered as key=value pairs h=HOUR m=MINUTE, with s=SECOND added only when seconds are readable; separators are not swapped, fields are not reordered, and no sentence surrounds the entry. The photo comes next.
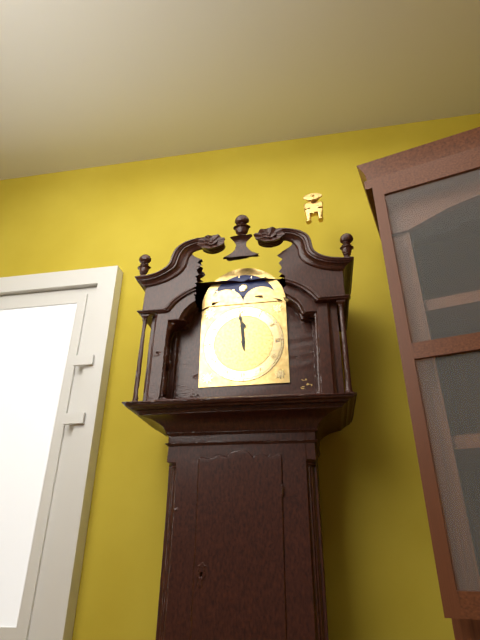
h=11 m=59
